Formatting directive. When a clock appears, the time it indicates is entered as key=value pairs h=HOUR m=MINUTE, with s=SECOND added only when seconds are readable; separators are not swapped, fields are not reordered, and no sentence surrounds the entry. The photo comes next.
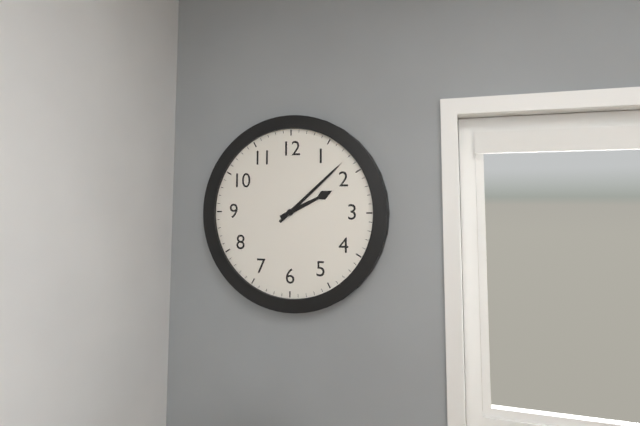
h=2 m=8
